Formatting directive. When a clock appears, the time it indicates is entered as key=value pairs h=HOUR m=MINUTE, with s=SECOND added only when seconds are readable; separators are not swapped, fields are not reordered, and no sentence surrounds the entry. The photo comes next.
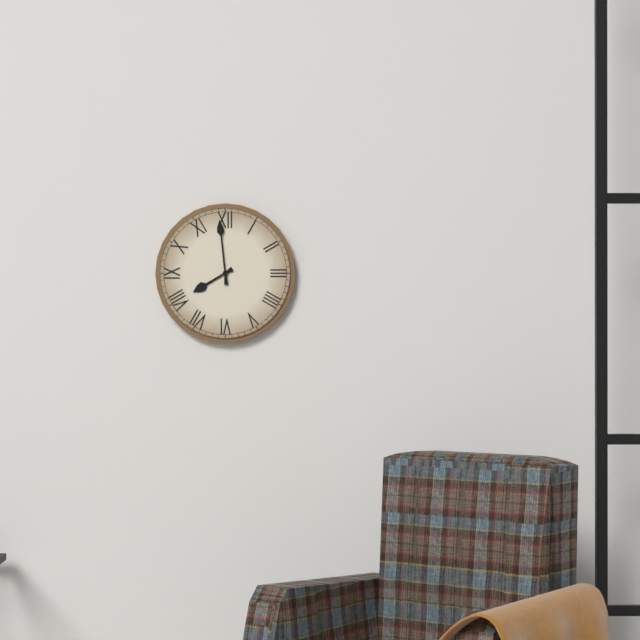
h=7 m=59
